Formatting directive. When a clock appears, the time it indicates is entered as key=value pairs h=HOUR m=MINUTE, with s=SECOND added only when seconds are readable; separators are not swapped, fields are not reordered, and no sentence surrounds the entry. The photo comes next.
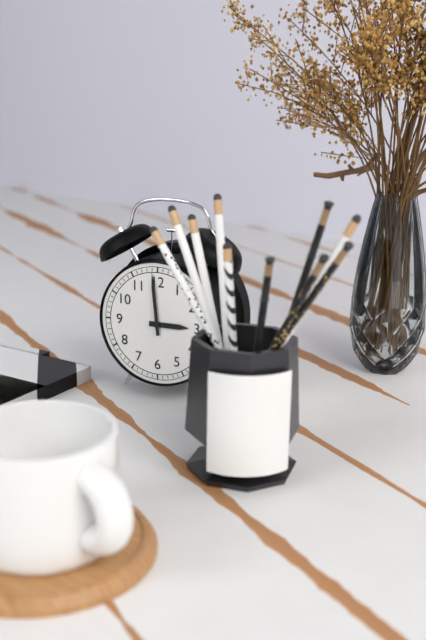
h=2 m=59
